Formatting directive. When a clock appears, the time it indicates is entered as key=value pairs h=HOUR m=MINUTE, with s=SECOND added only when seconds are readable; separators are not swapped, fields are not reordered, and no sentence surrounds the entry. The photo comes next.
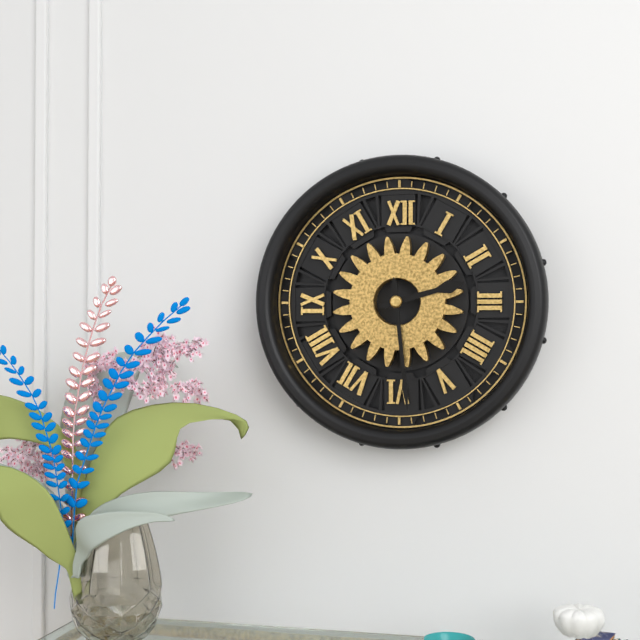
h=2 m=29
